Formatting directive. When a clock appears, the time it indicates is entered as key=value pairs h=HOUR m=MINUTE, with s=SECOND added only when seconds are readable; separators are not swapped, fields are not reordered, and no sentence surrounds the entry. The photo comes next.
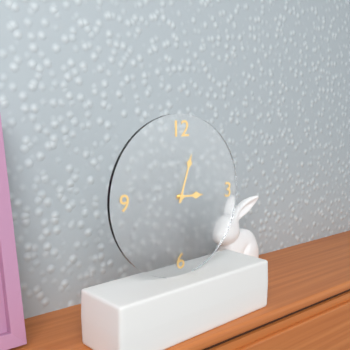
h=3 m=3
